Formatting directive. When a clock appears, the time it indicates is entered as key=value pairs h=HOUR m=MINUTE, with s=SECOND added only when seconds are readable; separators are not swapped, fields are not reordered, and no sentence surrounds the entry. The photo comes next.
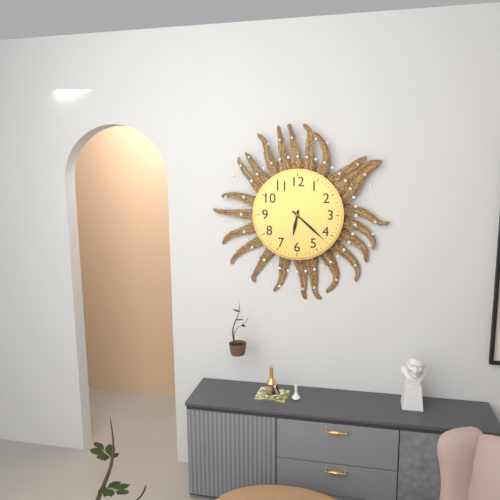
h=6 m=22
